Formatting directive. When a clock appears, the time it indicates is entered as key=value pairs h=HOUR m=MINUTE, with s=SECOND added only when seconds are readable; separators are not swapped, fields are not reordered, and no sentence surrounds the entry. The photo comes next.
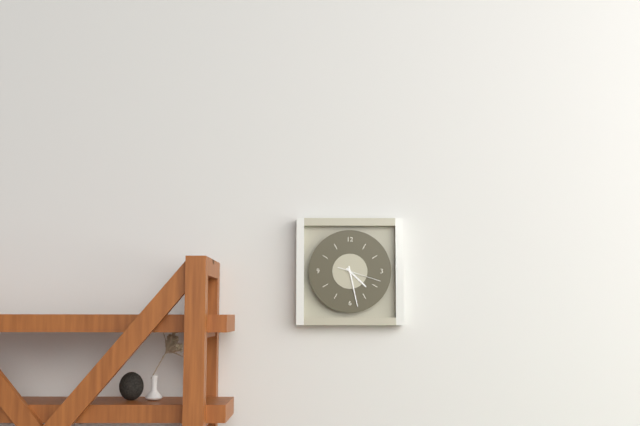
h=4 m=28
